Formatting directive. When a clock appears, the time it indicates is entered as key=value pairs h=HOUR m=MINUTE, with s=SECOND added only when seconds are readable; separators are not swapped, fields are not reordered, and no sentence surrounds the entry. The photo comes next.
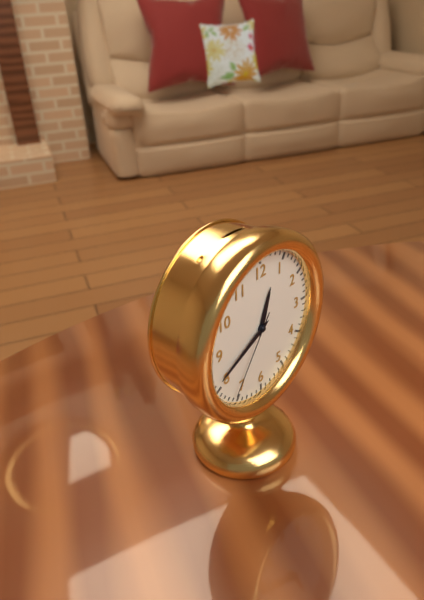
h=12 m=41 s=36
